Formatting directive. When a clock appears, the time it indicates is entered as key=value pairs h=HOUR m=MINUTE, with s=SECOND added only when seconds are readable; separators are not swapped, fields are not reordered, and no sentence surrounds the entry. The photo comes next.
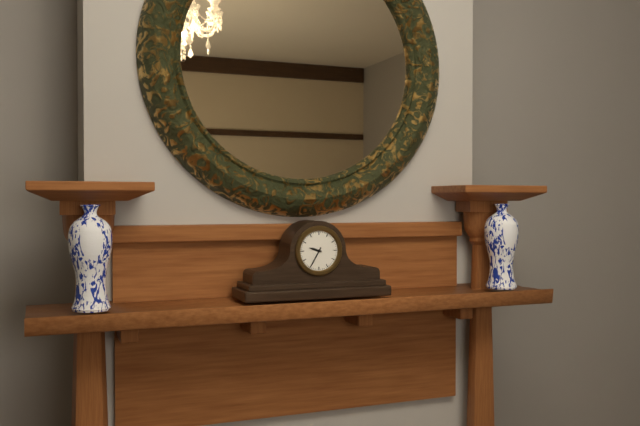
h=9 m=35
